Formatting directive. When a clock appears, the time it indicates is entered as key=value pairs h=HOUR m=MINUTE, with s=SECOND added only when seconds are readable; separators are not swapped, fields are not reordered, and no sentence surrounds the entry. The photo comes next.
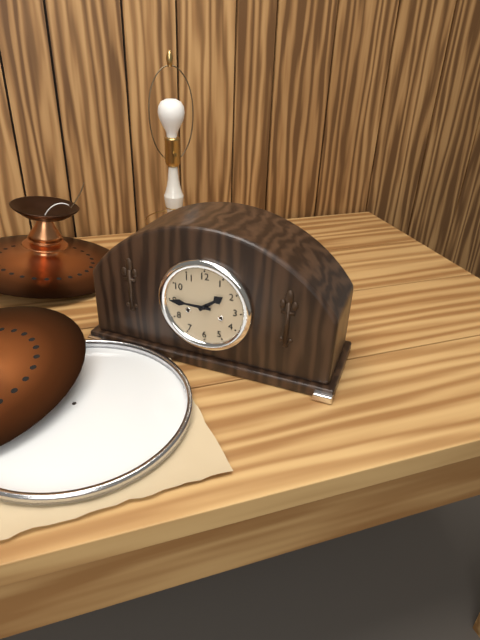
h=1 m=45
